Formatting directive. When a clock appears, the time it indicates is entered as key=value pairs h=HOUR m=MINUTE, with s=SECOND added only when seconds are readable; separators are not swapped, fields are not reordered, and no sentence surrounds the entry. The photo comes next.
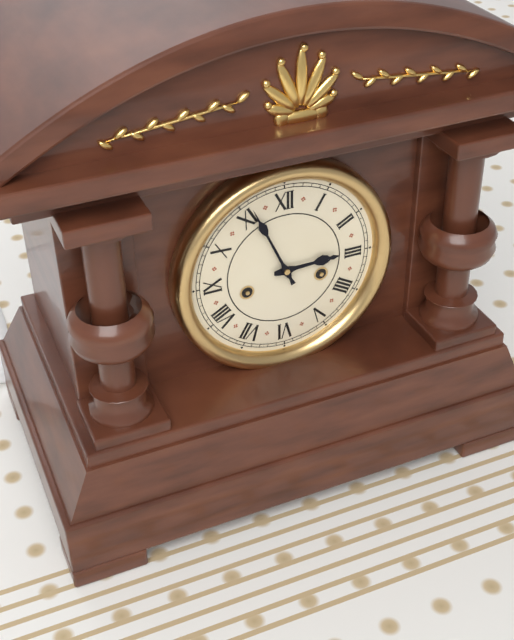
h=2 m=56
